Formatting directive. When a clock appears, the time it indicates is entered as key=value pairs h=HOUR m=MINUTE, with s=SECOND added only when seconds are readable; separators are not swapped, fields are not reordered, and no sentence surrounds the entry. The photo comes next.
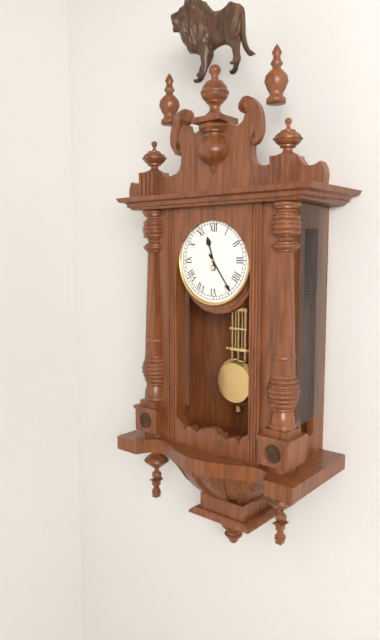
h=11 m=24
